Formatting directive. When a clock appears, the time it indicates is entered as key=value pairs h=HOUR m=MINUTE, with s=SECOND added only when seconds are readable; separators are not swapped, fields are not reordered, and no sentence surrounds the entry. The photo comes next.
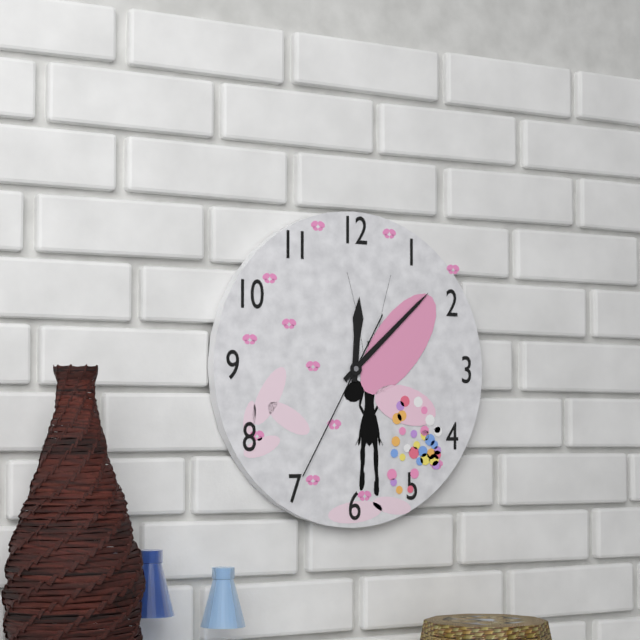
h=12 m=8 s=35
